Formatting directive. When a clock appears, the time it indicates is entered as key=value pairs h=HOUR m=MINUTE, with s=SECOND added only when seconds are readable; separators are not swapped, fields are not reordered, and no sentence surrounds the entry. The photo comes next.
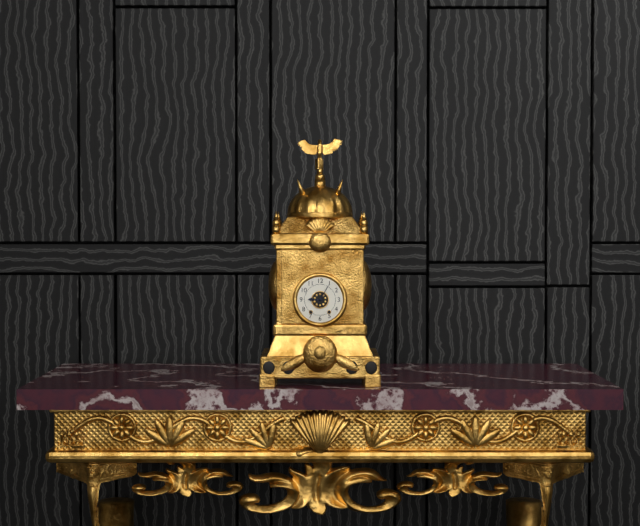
h=9 m=5
